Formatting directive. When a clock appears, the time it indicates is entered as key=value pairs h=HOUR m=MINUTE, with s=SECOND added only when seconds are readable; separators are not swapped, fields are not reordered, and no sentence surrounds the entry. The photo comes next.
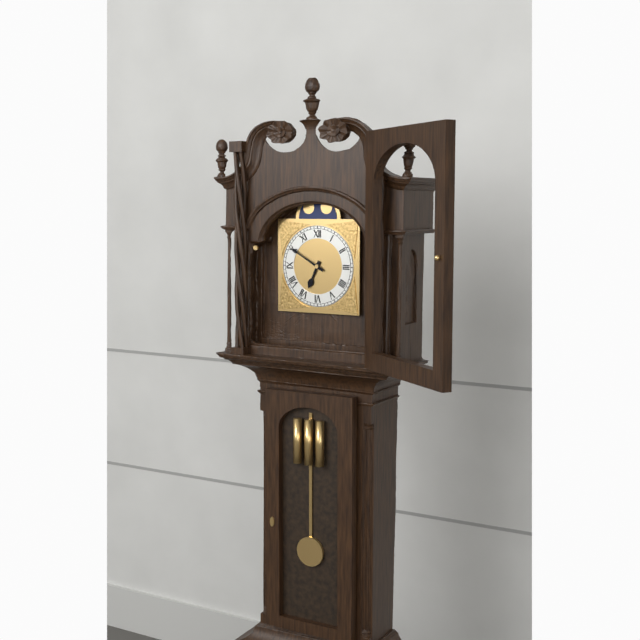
h=6 m=50
